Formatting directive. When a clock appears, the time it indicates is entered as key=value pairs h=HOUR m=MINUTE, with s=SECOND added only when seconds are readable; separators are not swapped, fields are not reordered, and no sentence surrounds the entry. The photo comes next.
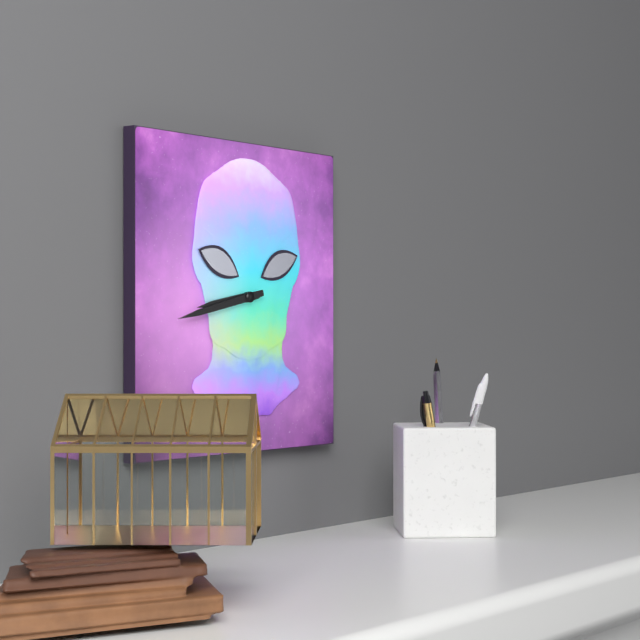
h=8 m=43
